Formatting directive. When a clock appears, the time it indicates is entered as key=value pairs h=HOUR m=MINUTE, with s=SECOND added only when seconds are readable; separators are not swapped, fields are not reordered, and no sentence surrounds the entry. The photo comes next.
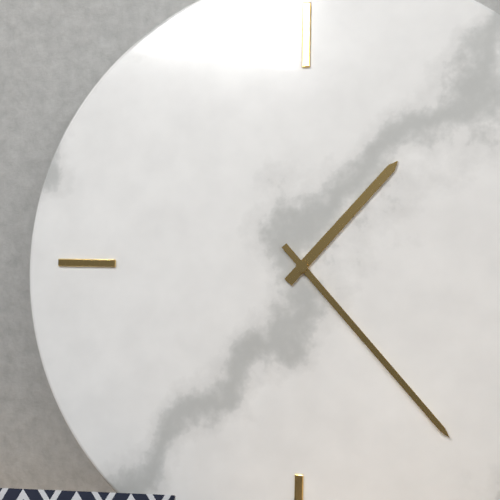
h=1 m=23
